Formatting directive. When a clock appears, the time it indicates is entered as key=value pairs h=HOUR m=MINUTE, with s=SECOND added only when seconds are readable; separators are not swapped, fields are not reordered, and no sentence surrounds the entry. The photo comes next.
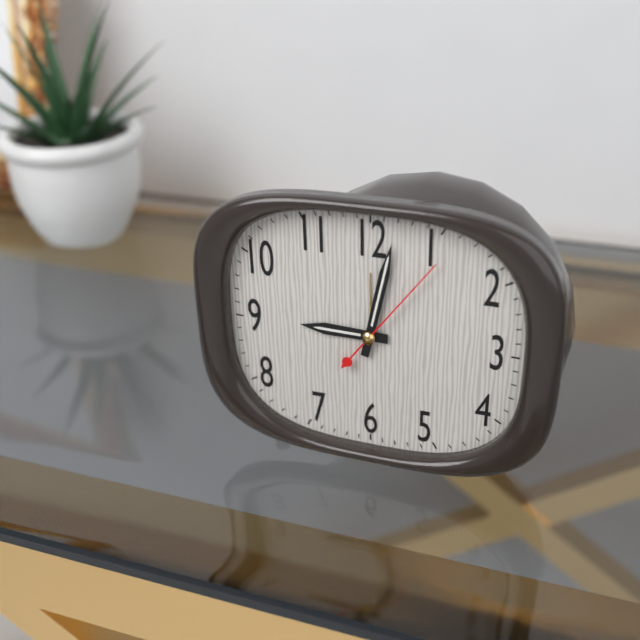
h=9 m=2 s=6
